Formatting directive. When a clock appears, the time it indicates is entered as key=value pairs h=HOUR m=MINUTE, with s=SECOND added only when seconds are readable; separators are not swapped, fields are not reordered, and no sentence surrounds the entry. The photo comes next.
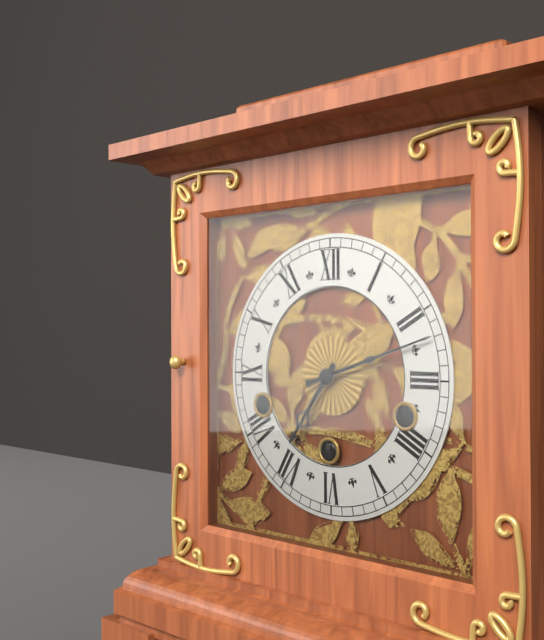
h=7 m=12
